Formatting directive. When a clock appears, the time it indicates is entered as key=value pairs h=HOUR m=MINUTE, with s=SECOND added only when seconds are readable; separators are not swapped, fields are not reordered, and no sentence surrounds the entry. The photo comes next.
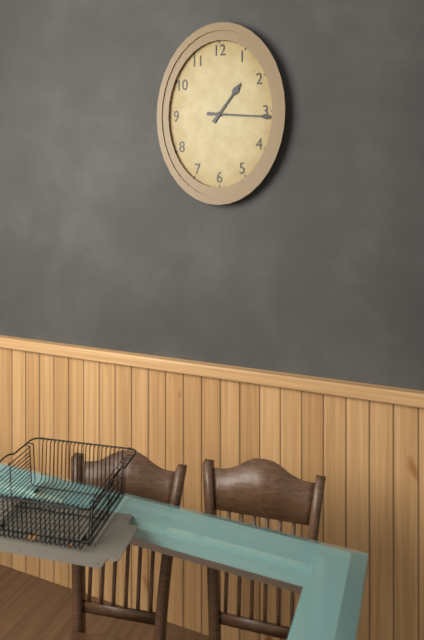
h=1 m=16
